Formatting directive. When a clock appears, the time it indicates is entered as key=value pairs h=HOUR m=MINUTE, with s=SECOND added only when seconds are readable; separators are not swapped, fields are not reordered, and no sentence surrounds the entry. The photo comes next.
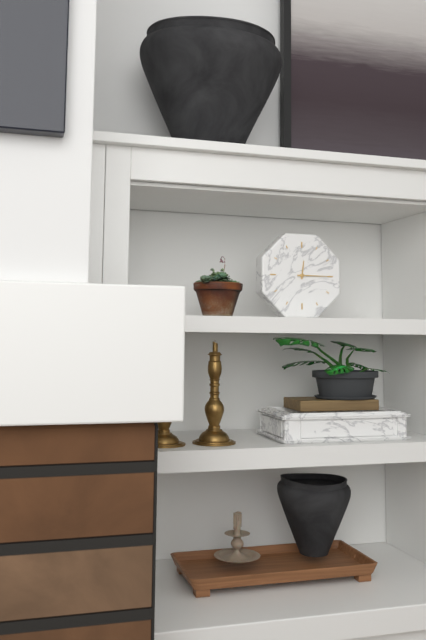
h=12 m=15
